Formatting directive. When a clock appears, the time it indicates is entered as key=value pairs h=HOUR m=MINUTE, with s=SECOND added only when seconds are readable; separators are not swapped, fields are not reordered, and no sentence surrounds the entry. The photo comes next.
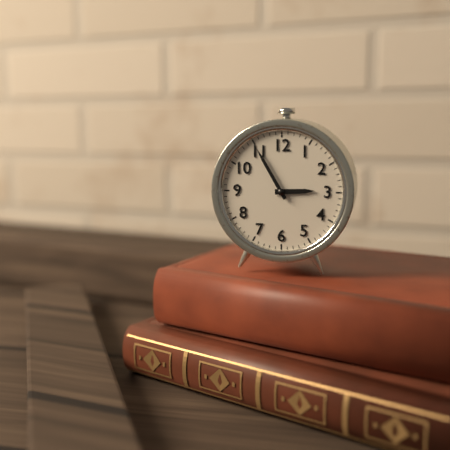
h=2 m=55
